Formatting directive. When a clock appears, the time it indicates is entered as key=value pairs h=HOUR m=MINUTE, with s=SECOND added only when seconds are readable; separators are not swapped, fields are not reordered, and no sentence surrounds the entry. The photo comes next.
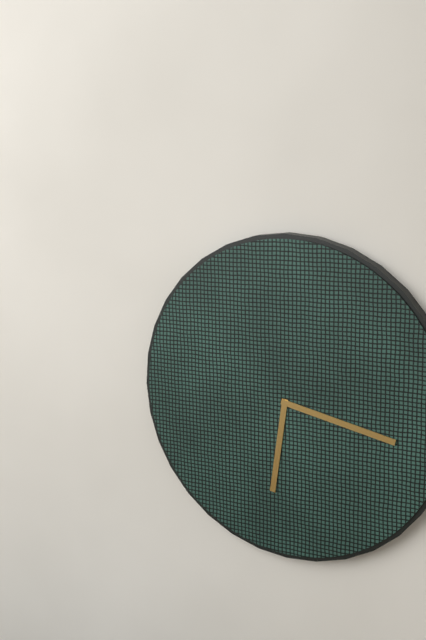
h=6 m=17
